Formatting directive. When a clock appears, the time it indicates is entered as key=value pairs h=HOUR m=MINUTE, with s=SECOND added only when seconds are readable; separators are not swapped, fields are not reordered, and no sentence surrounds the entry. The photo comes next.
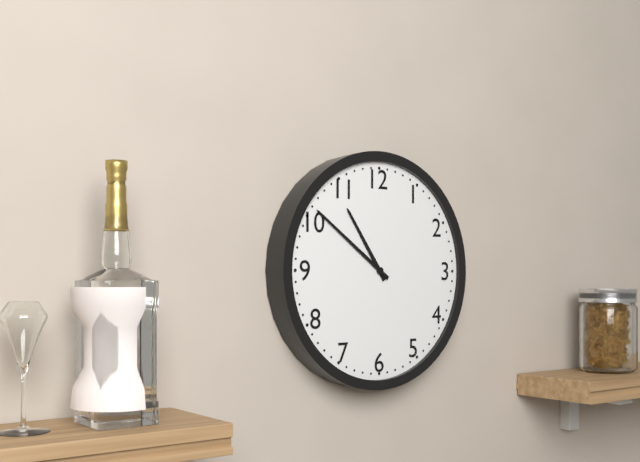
h=10 m=51
